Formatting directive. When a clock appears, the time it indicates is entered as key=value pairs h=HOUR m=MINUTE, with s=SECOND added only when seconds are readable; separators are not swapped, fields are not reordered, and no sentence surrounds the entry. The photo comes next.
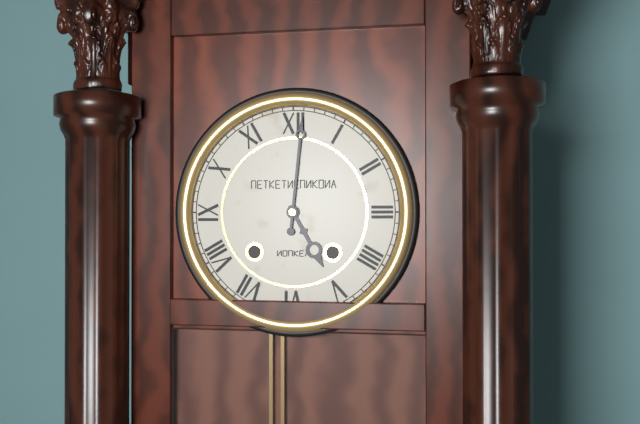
h=5 m=1
